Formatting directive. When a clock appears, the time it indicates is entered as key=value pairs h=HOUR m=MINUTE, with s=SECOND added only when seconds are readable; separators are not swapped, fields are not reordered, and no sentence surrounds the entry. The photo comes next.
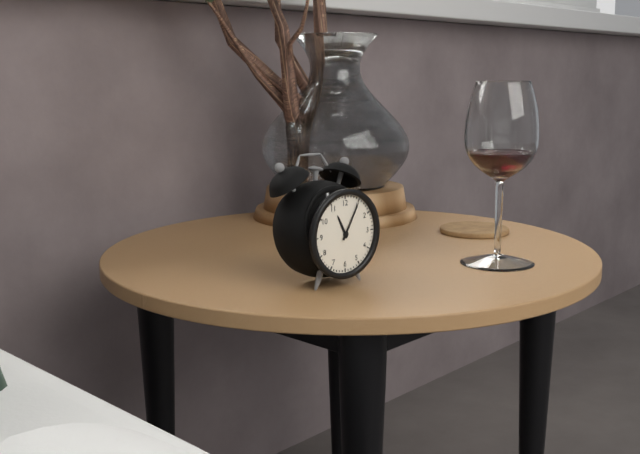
h=11 m=5
